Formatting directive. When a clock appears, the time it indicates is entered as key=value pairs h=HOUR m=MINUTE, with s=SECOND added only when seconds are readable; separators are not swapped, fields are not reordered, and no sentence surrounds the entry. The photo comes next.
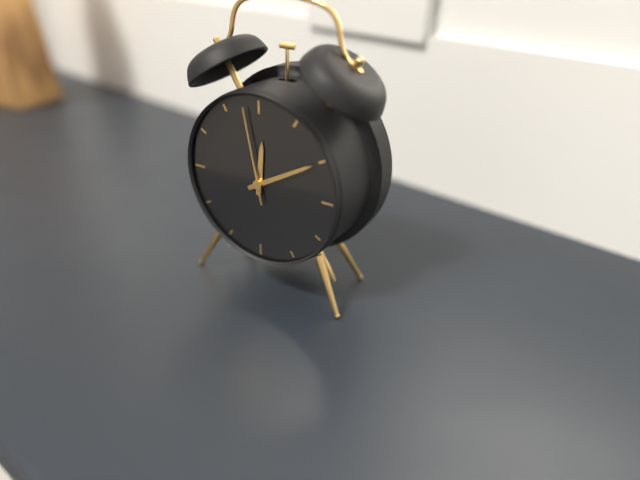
h=12 m=10 s=58
